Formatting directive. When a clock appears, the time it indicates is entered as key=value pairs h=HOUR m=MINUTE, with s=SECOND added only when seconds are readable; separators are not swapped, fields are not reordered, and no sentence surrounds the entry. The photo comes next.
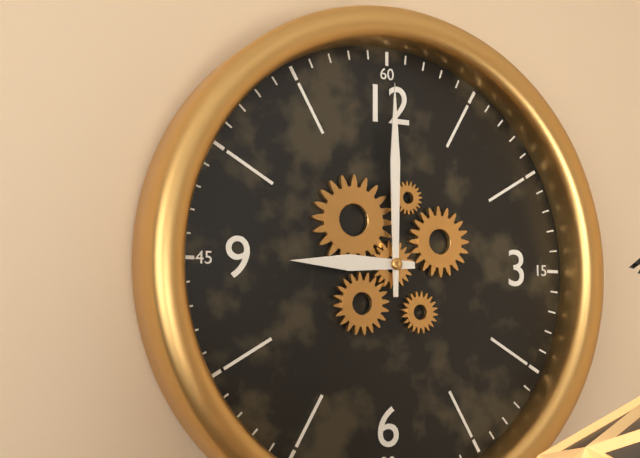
h=9 m=0
